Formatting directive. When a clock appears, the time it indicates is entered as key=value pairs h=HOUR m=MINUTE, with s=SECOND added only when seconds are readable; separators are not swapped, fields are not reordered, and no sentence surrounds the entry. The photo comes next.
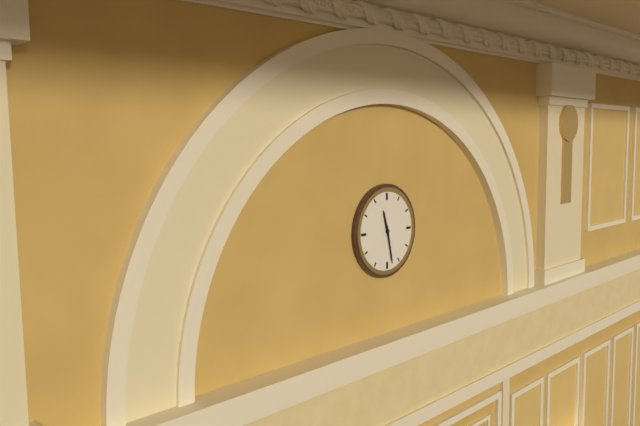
h=11 m=28
